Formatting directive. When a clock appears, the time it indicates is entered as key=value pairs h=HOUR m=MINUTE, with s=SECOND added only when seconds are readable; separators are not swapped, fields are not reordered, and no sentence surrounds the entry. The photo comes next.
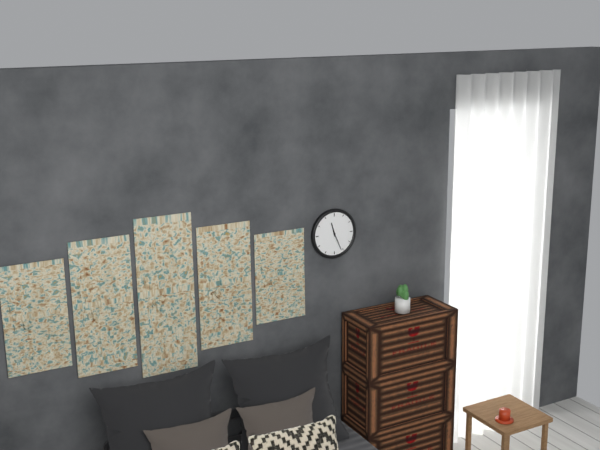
h=11 m=26
